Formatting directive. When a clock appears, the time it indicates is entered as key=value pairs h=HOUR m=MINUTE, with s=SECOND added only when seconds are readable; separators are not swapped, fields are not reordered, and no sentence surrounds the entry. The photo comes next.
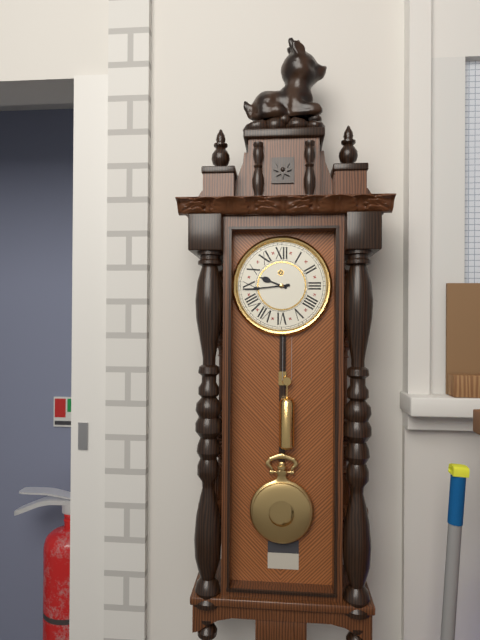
h=9 m=44
